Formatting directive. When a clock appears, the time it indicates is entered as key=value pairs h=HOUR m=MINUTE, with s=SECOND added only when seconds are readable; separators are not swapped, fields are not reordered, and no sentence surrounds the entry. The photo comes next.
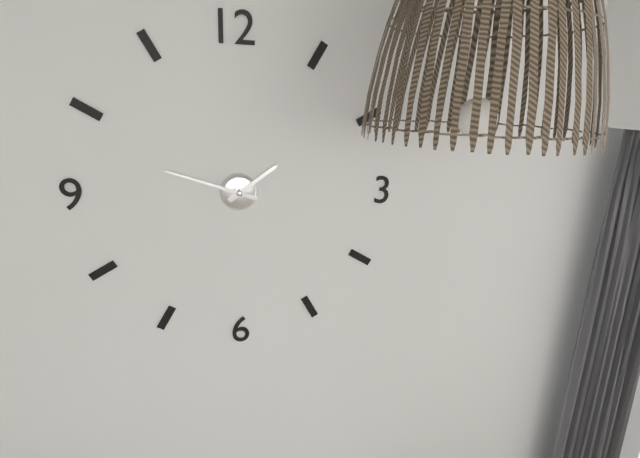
h=1 m=48
